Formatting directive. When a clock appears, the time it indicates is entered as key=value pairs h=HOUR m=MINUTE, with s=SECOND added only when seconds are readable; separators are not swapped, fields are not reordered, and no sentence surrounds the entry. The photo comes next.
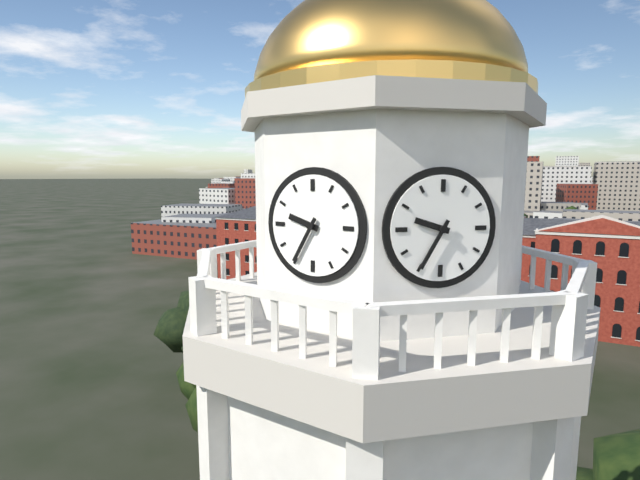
h=9 m=35
